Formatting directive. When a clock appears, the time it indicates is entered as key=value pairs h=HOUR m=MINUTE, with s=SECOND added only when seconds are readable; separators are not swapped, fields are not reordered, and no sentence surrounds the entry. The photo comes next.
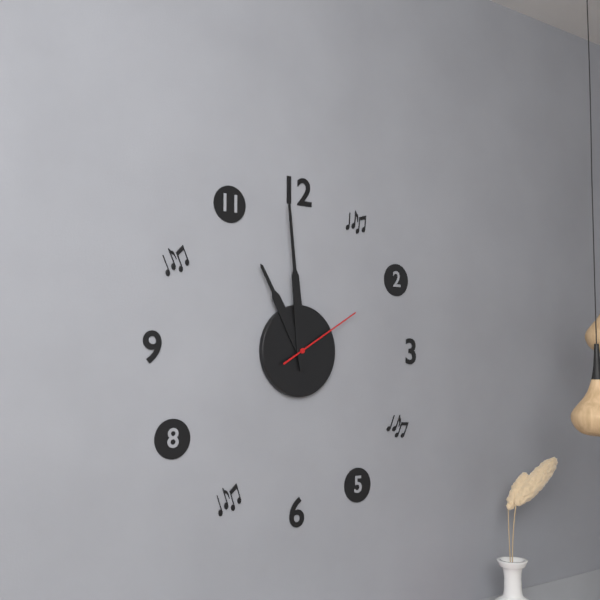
h=10 m=59 s=10
